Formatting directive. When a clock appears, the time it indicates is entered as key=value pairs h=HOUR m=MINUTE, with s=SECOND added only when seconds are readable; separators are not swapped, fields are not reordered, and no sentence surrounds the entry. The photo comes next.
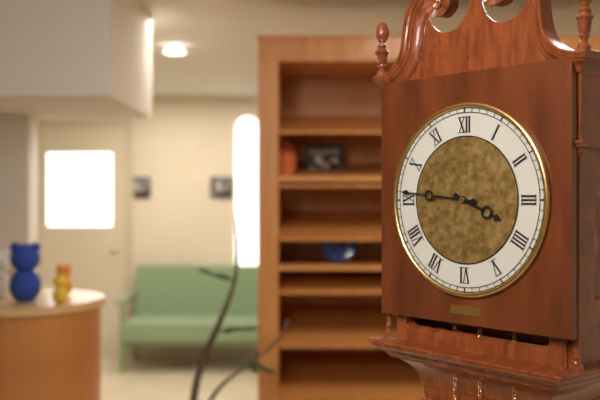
h=3 m=46
